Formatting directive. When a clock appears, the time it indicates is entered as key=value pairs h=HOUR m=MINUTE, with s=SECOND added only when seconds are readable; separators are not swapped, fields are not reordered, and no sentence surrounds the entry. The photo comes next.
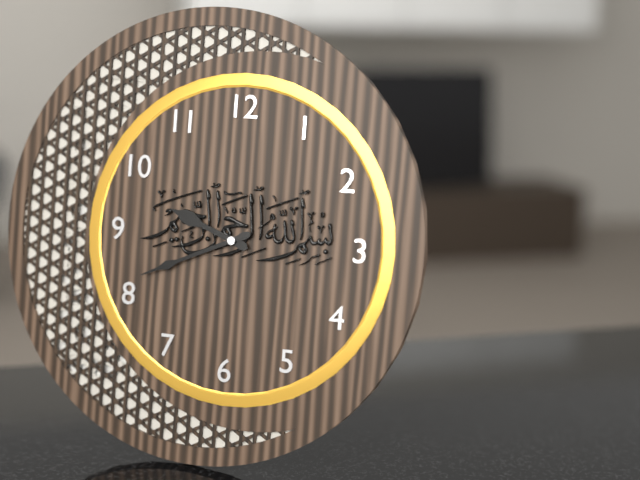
h=9 m=41
